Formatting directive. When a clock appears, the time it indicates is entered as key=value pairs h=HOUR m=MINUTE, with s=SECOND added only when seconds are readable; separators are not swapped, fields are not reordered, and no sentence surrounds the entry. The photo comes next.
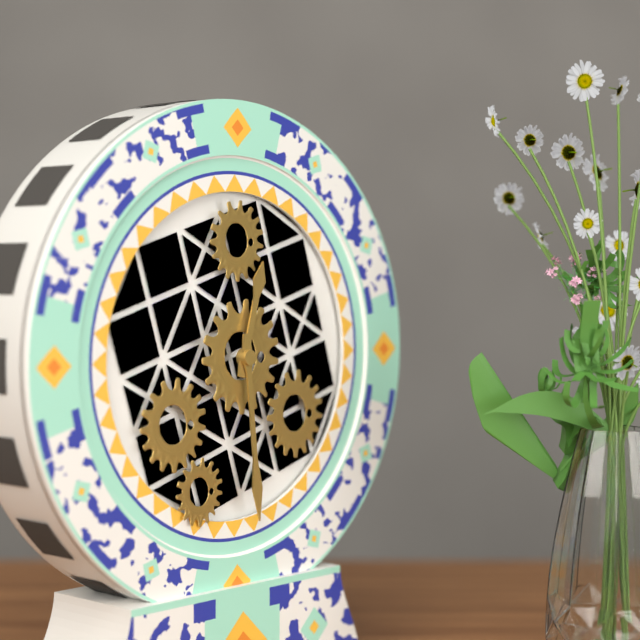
h=12 m=29
